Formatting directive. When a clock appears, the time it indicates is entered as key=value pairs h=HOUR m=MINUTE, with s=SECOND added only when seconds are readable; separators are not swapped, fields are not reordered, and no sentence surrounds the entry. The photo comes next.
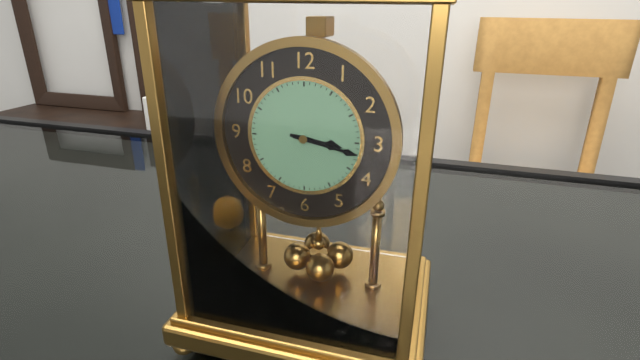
h=3 m=17
